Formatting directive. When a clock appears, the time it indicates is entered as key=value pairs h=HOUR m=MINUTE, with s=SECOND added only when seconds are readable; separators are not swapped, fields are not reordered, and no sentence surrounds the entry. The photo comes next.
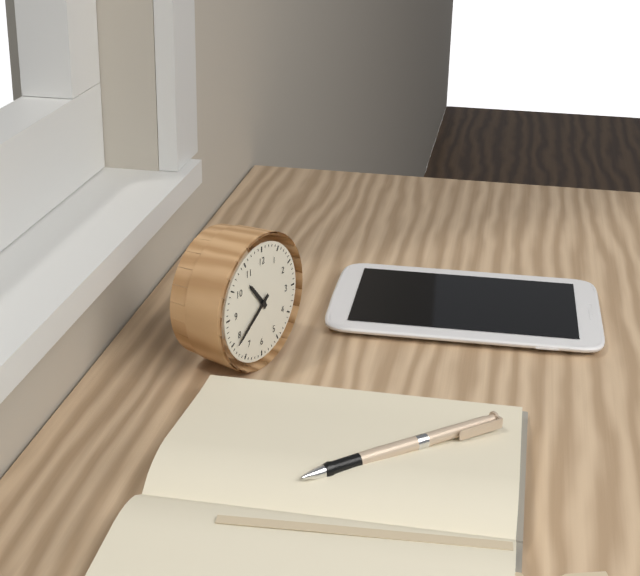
h=10 m=39
